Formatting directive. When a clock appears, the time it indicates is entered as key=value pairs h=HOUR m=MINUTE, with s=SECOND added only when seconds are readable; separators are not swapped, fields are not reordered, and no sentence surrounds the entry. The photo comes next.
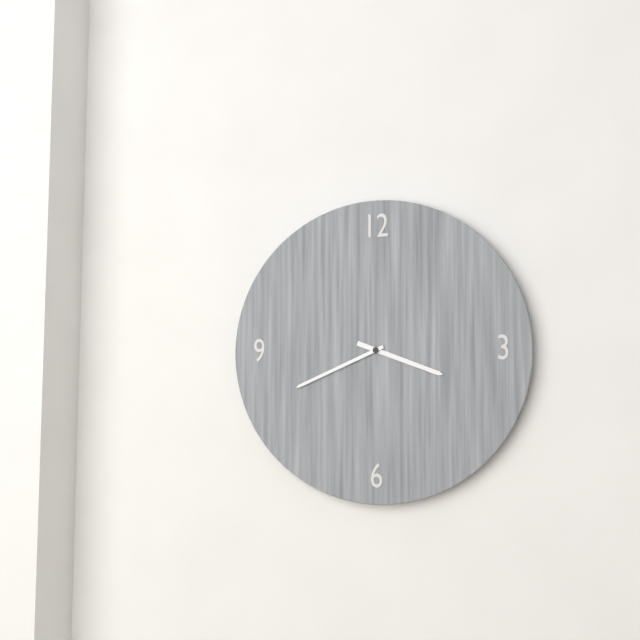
h=3 m=41
